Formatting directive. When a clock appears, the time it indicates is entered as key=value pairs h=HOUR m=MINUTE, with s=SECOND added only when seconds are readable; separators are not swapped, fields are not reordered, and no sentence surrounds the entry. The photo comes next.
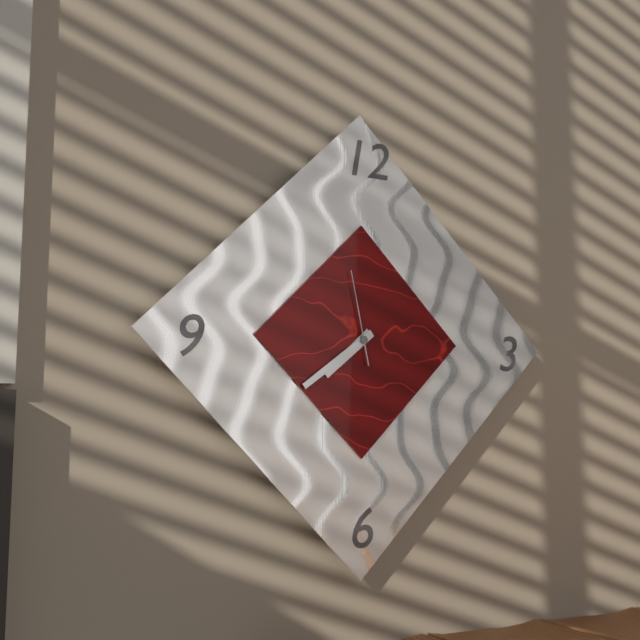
h=7 m=39 s=58
